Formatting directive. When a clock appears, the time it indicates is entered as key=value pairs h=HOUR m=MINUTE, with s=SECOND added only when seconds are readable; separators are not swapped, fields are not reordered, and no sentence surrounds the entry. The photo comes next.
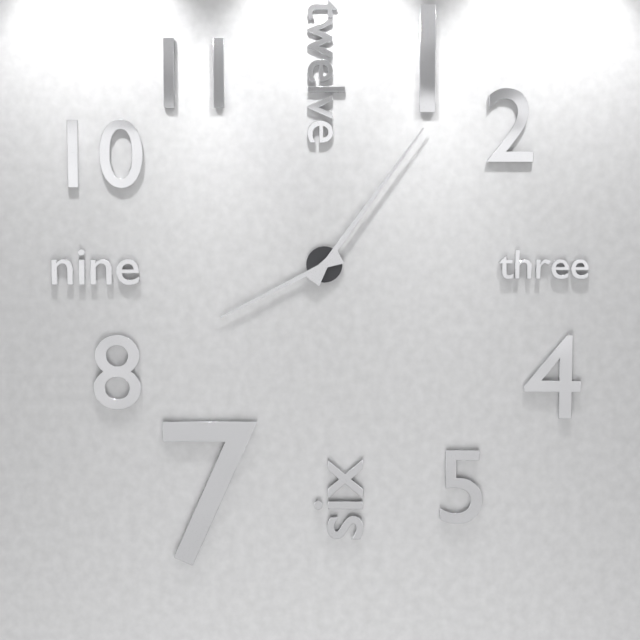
h=8 m=6
